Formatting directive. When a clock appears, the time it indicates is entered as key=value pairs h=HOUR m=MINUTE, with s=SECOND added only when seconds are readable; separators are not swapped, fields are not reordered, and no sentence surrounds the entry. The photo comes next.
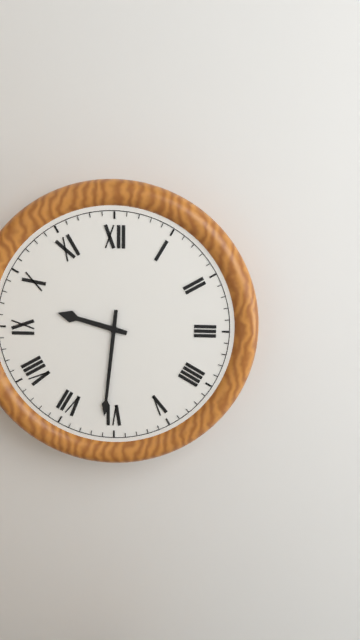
h=9 m=31
